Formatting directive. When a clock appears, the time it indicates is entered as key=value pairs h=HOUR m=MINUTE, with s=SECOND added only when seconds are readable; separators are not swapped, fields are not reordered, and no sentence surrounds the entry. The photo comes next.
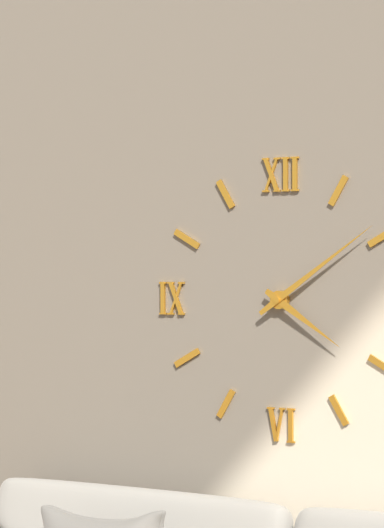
h=4 m=9
